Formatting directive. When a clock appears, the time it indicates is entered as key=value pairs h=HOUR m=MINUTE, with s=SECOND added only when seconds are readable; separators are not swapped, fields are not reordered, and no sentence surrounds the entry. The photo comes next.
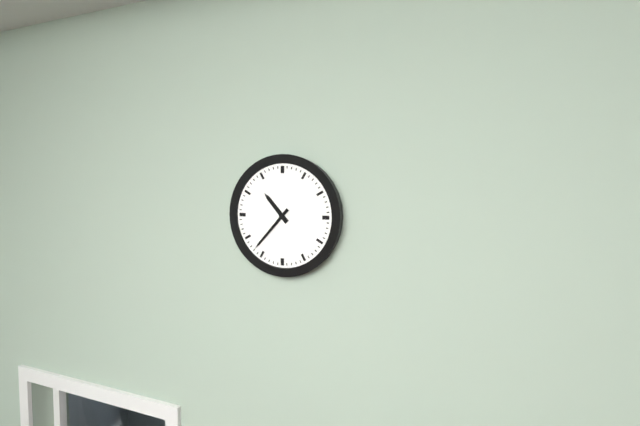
h=10 m=37
